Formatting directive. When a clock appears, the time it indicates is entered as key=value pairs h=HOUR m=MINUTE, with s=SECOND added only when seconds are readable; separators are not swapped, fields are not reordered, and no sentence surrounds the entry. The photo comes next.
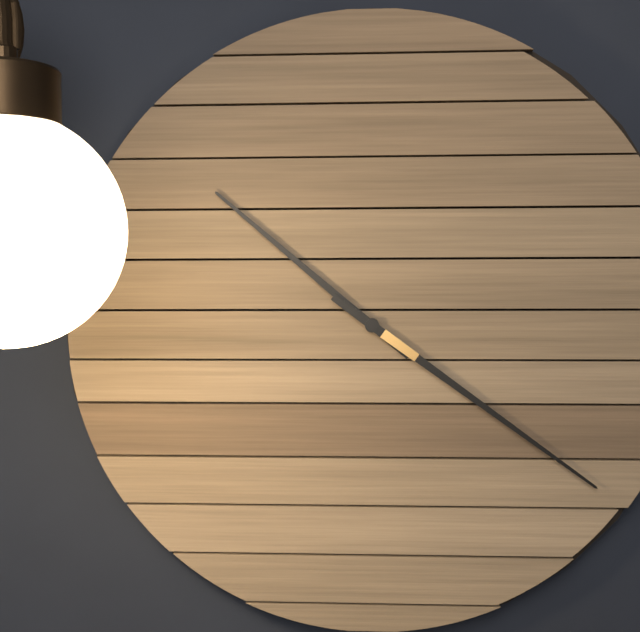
h=10 m=21
